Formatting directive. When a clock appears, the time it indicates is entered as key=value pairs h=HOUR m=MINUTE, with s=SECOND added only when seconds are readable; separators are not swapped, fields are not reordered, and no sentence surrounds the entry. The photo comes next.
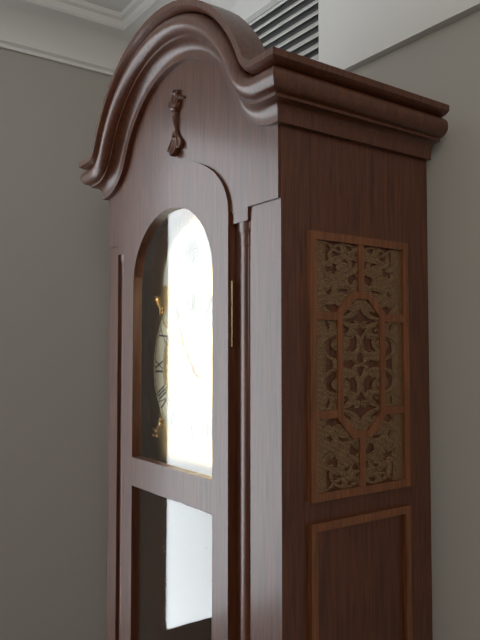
h=10 m=52
